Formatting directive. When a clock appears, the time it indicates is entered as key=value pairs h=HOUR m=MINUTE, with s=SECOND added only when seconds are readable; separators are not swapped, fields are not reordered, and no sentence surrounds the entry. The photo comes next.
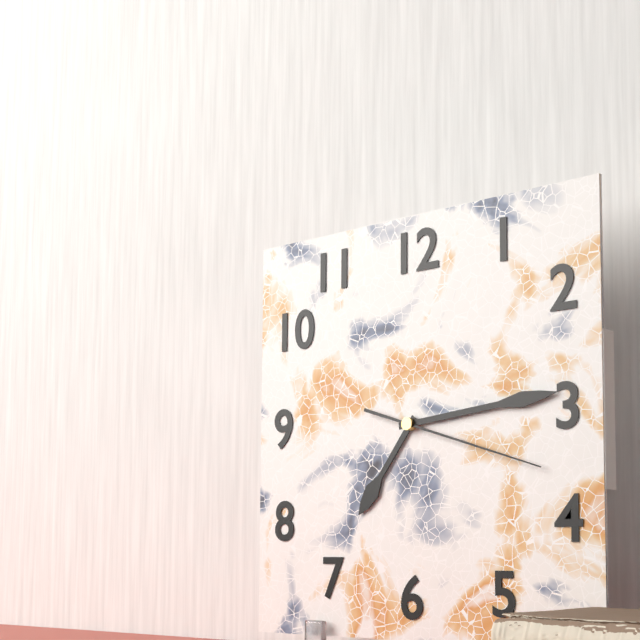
h=7 m=14 s=18
